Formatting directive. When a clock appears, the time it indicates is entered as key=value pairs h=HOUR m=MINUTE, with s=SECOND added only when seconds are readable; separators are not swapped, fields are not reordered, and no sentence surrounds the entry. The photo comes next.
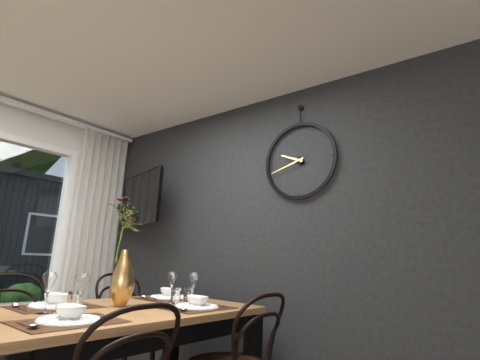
h=9 m=42
